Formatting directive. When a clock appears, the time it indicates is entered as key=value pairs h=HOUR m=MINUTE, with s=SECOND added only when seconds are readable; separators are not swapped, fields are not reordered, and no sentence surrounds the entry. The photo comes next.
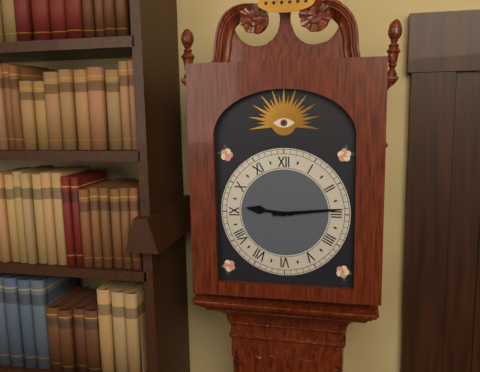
h=9 m=14
